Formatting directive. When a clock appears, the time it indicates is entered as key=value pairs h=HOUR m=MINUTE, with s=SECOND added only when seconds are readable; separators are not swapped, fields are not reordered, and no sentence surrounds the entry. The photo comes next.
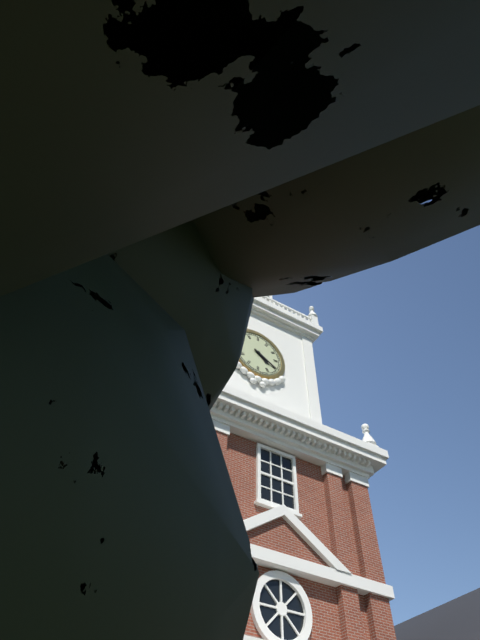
h=4 m=20
